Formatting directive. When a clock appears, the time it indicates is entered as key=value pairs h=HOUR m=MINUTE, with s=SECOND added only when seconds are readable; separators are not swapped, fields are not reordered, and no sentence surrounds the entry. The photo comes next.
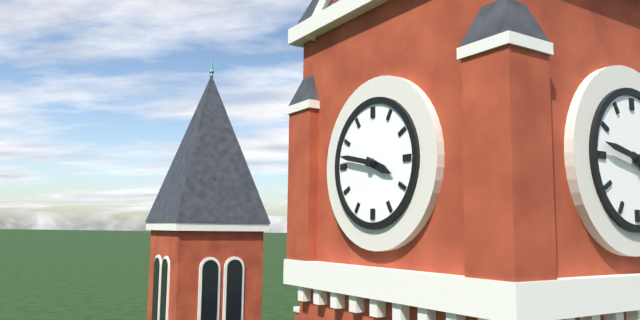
h=3 m=47
